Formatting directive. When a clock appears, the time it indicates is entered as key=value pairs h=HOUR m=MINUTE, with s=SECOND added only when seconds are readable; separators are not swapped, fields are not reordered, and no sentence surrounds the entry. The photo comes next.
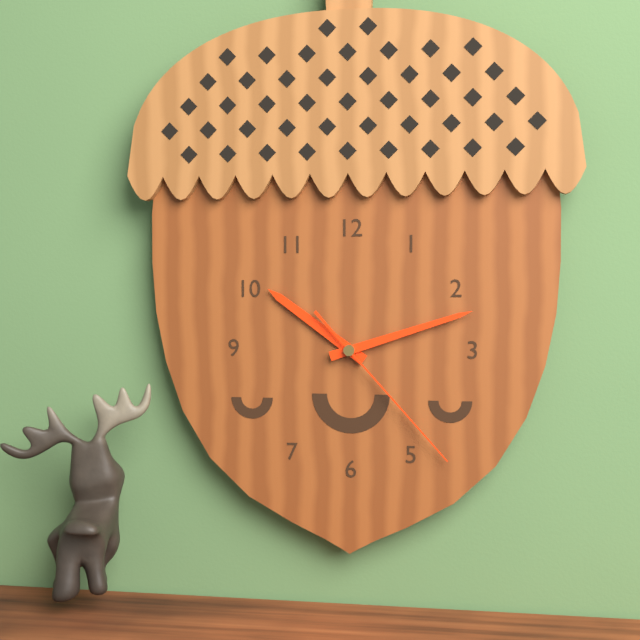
h=10 m=12 s=23
